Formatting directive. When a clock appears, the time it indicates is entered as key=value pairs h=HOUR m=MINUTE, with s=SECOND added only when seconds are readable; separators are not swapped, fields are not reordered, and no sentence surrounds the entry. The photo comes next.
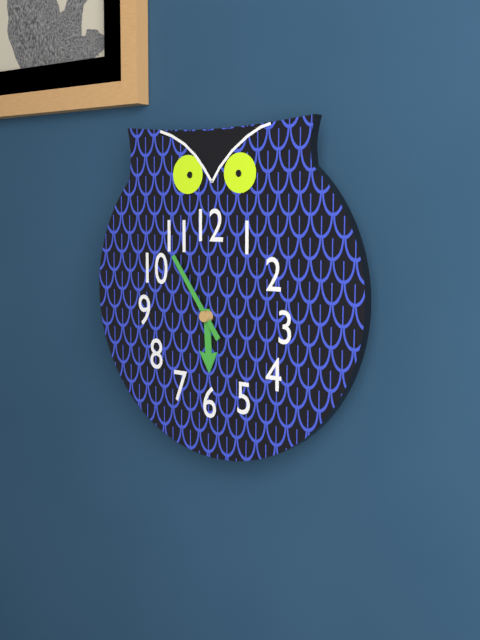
h=5 m=54
